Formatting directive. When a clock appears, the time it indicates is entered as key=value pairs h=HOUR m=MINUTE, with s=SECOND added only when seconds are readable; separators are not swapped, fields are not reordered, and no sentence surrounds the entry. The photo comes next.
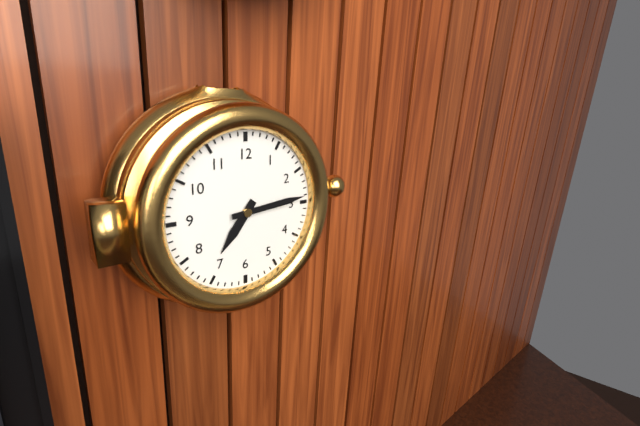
h=7 m=14
